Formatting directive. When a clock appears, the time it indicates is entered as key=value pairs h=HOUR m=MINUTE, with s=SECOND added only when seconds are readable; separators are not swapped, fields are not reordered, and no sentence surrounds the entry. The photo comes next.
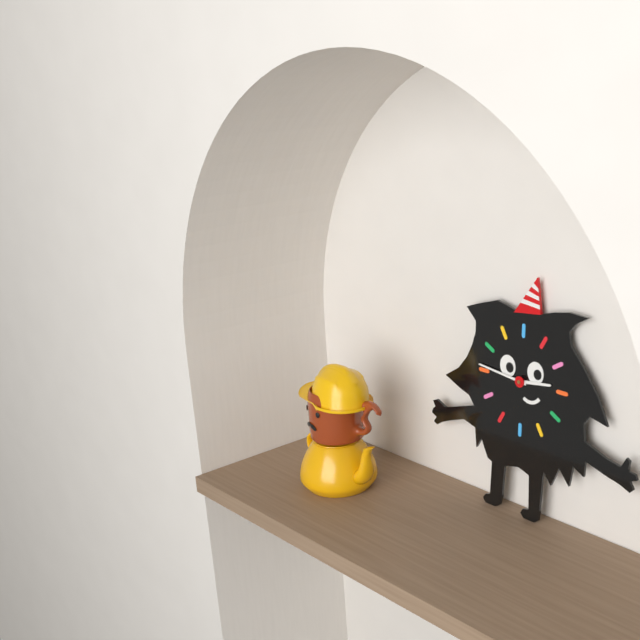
h=2 m=46
